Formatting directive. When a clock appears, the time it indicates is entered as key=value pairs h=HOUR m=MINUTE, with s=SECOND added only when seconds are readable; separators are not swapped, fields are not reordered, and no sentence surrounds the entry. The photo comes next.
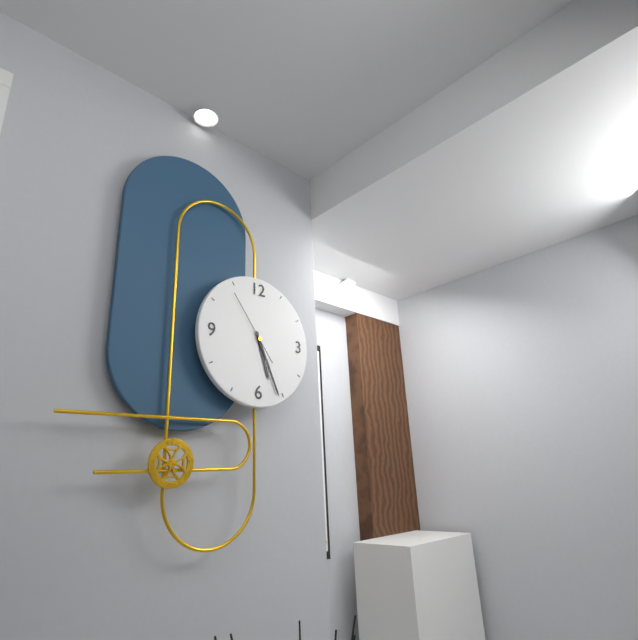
h=5 m=26 s=54
